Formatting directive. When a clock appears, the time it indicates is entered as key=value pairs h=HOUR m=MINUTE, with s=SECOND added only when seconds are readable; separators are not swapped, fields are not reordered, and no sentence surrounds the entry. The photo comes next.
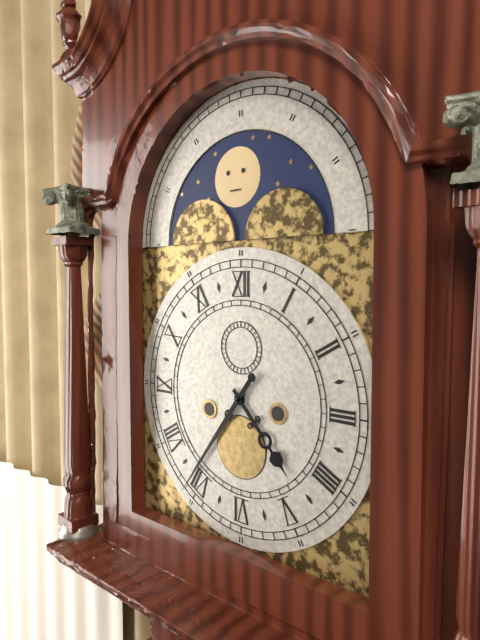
h=4 m=36
